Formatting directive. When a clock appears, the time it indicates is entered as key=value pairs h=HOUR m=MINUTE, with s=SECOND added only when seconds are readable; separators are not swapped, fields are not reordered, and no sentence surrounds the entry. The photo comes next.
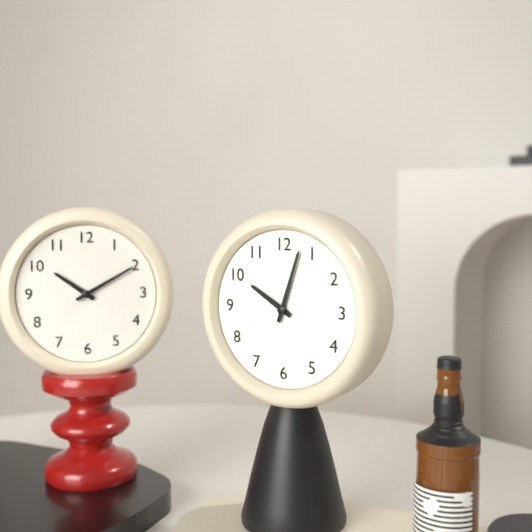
h=10 m=3
